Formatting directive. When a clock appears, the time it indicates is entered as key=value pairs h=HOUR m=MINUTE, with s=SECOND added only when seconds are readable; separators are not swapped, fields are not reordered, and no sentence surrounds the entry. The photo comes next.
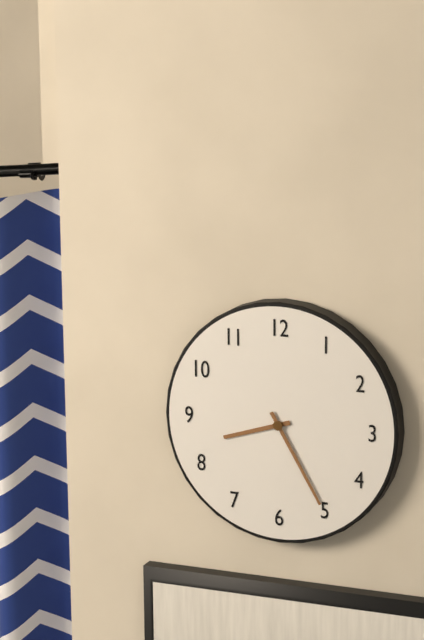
h=8 m=25
